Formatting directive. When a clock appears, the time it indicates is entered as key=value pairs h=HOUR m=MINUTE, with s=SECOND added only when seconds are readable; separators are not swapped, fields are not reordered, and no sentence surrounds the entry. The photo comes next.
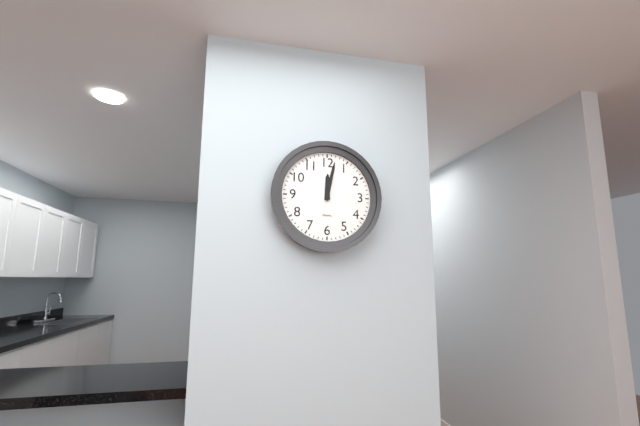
h=12 m=2
